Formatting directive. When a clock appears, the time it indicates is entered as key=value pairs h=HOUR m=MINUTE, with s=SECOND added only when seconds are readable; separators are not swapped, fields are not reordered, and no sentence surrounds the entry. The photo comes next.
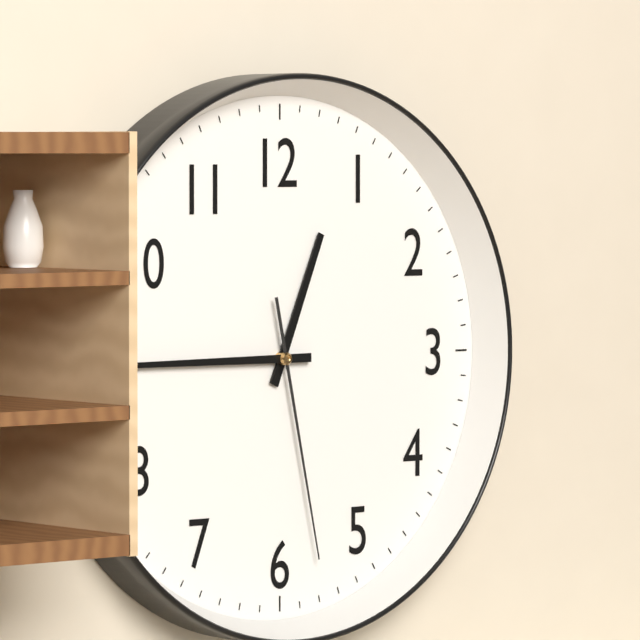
h=12 m=45 s=28
